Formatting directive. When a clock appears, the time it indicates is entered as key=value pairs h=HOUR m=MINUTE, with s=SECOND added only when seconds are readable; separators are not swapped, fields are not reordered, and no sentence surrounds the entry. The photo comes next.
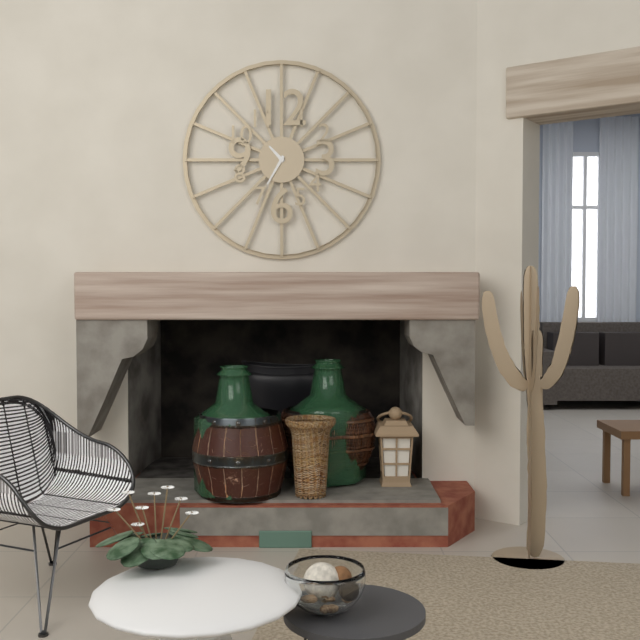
h=10 m=35
